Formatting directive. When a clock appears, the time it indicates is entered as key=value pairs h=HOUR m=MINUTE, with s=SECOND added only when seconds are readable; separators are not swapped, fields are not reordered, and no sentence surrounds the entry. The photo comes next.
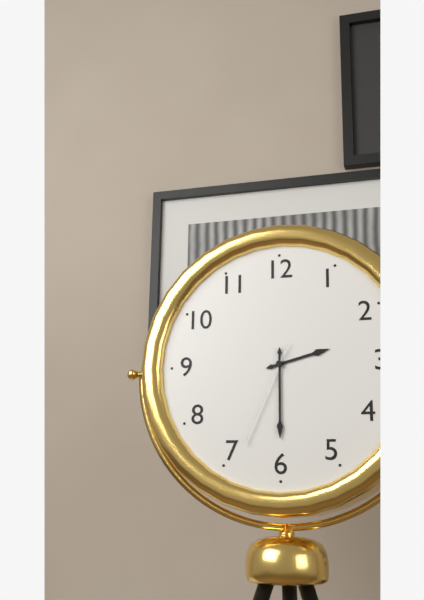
h=2 m=30 s=34
